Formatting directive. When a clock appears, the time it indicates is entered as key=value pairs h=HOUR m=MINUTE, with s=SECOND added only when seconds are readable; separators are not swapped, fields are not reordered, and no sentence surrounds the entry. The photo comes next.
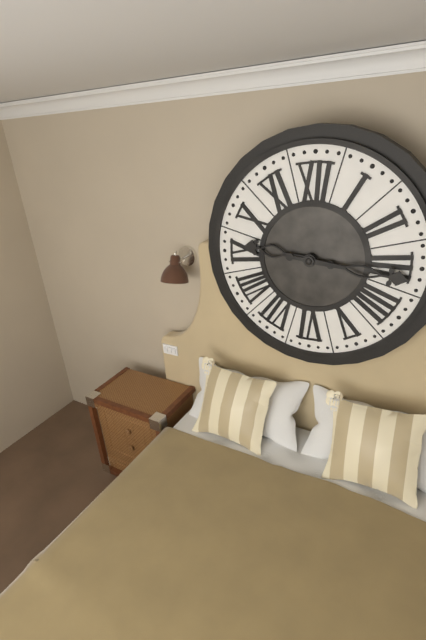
h=9 m=16
